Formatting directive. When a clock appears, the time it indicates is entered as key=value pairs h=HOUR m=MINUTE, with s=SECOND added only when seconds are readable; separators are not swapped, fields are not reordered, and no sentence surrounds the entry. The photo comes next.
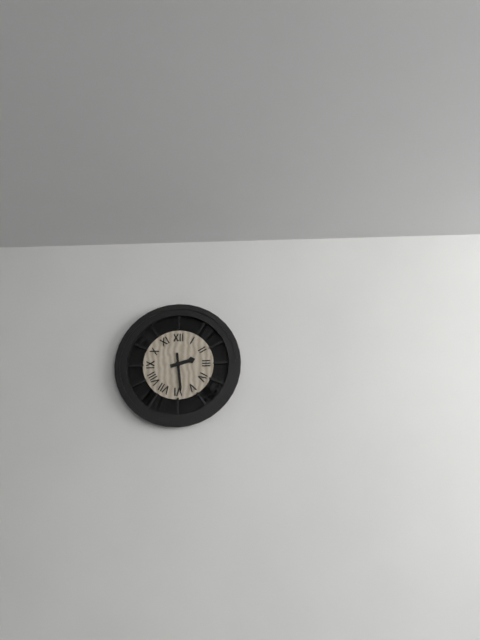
h=2 m=29
